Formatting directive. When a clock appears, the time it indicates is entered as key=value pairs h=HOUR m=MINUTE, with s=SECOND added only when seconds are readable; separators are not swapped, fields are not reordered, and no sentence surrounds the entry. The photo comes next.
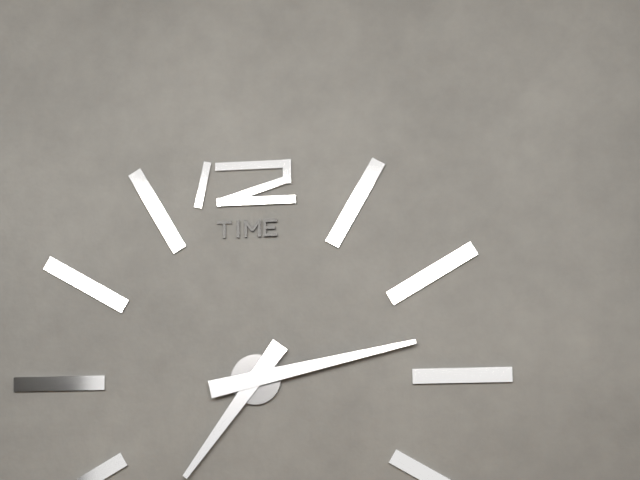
h=7 m=13
